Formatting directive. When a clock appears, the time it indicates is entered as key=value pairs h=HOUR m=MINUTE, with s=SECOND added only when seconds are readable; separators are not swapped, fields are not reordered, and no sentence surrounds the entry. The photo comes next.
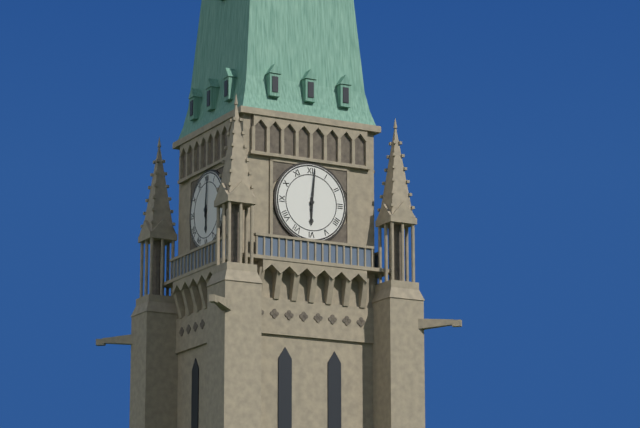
h=6 m=1
